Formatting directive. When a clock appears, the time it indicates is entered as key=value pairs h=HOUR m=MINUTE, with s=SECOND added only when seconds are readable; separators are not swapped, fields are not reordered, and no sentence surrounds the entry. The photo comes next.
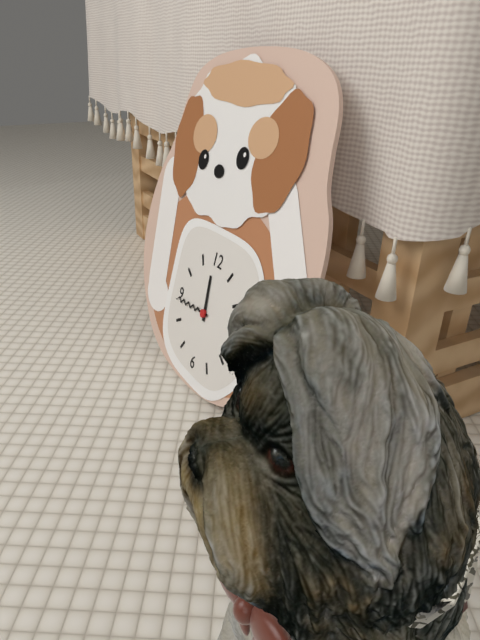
h=11 m=44
